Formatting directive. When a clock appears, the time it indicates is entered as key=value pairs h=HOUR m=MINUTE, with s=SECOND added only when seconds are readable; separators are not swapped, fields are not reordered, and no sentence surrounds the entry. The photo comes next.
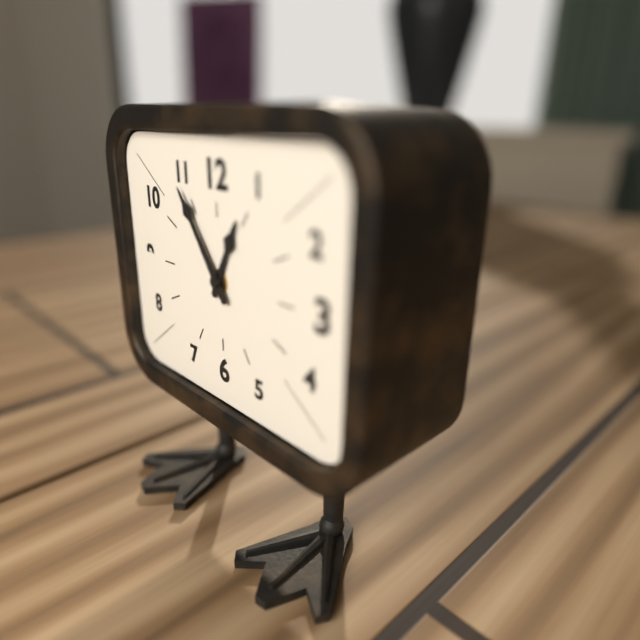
h=12 m=54
